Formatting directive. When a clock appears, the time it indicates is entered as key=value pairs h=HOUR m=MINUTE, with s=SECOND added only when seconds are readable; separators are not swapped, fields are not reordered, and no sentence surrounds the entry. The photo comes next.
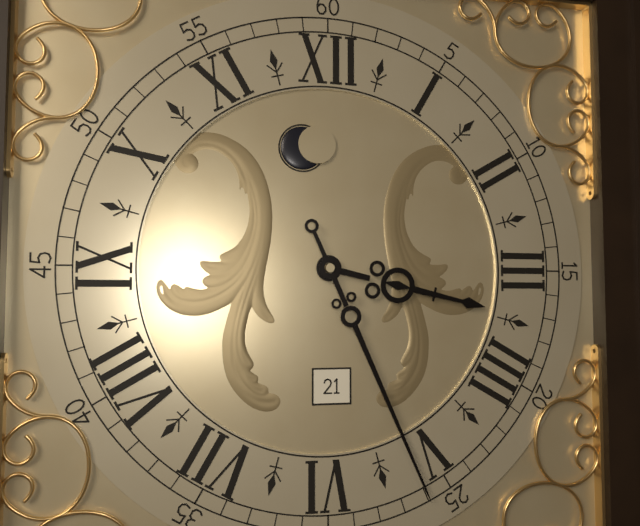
h=3 m=26
